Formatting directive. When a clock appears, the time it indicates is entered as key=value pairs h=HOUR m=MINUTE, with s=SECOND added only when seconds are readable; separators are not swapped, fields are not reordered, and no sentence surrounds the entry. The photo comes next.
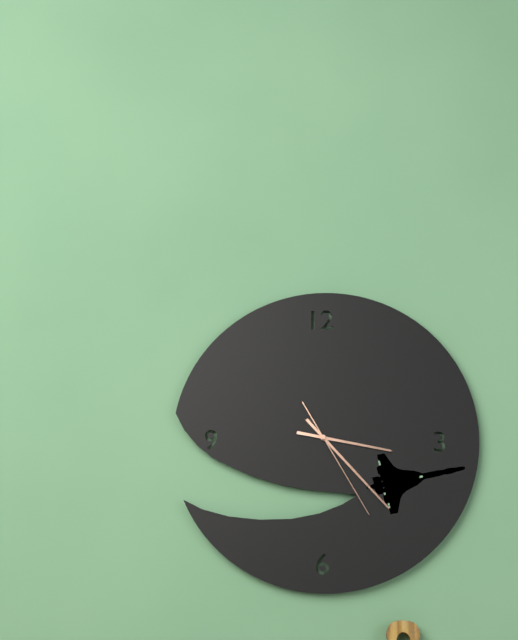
h=3 m=23 s=25
